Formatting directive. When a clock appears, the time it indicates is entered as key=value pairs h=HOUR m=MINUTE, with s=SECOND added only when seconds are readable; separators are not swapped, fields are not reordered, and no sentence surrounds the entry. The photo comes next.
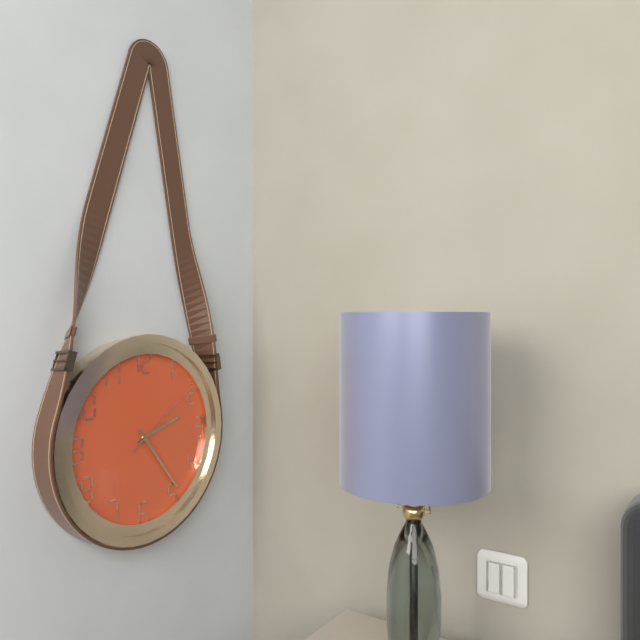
h=2 m=24 s=9
